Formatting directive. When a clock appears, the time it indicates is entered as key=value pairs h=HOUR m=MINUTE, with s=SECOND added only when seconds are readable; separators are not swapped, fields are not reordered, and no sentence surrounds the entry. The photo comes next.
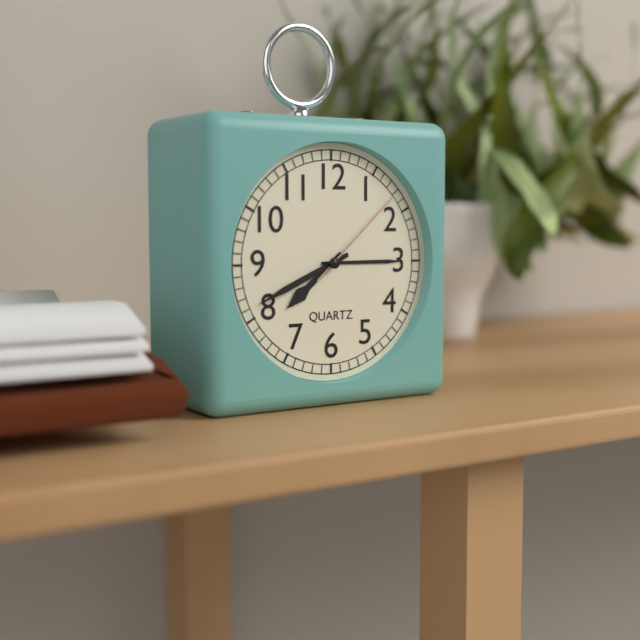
h=7 m=41 s=8
